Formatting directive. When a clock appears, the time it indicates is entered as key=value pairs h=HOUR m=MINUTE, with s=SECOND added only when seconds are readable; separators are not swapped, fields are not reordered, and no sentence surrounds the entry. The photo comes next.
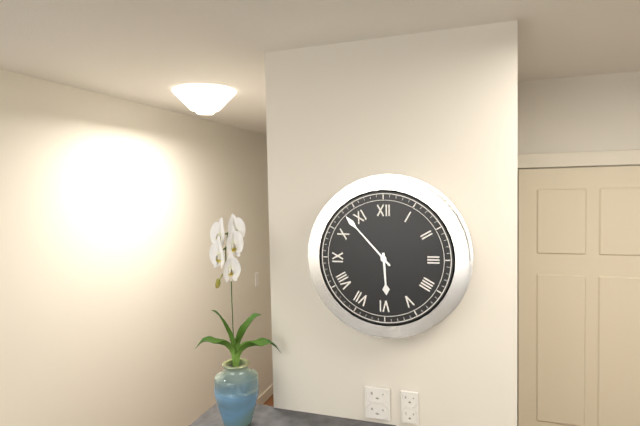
h=5 m=53
